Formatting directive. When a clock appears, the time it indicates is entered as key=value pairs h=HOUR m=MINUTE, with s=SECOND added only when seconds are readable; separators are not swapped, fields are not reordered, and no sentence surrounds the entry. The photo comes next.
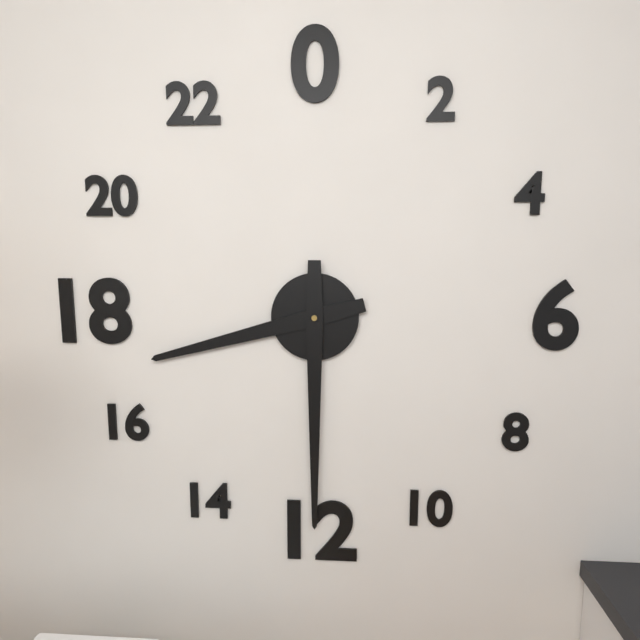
h=8 m=30
